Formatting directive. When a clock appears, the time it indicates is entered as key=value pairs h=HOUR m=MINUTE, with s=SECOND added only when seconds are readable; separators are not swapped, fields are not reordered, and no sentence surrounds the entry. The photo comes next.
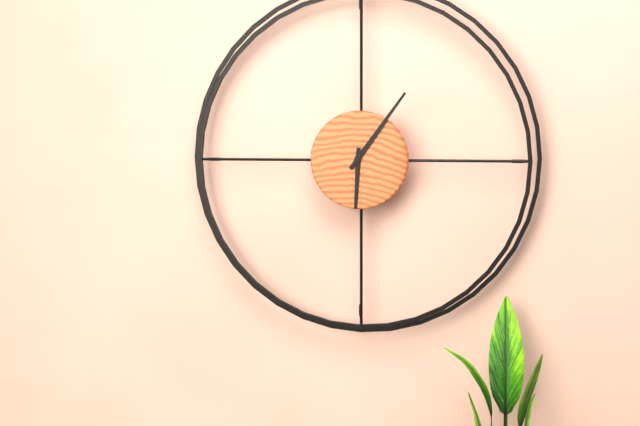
h=6 m=6
